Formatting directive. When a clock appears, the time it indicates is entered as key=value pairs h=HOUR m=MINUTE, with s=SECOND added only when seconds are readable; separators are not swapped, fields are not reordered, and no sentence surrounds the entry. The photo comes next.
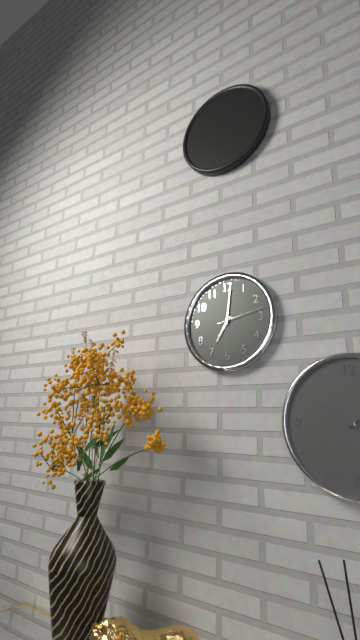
h=7 m=1
